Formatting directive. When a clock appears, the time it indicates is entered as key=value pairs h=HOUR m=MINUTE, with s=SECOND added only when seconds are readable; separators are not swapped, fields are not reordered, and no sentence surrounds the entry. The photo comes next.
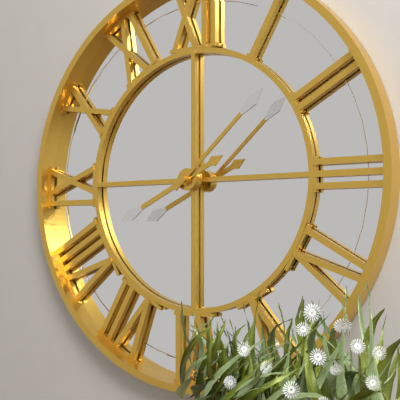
h=8 m=8
